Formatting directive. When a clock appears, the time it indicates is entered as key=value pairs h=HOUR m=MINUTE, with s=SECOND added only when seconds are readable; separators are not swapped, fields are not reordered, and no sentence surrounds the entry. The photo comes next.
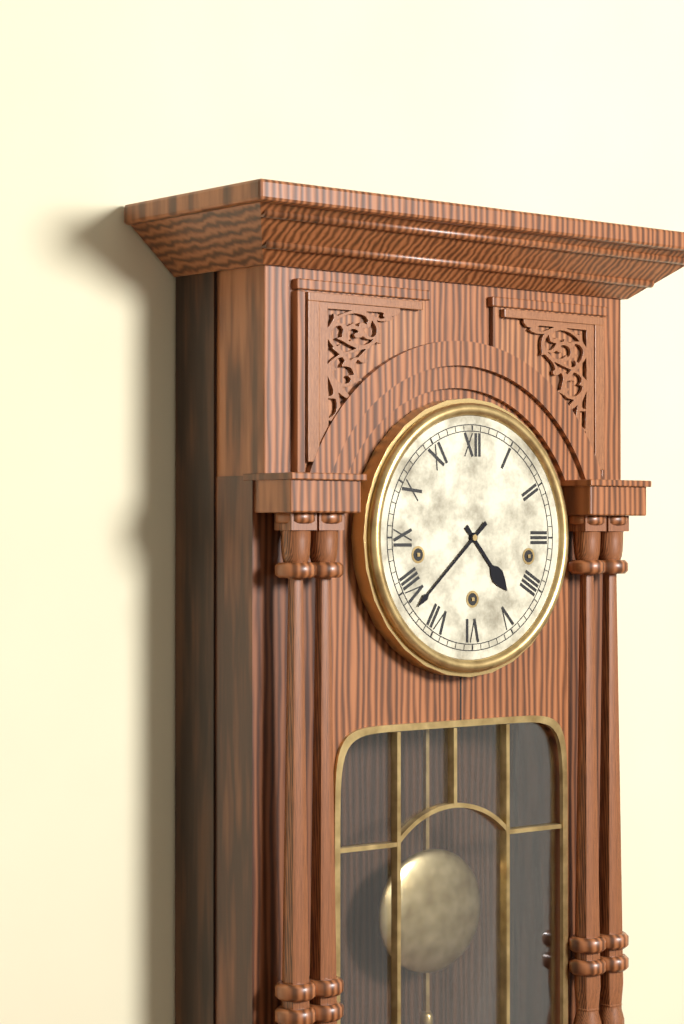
h=4 m=38
